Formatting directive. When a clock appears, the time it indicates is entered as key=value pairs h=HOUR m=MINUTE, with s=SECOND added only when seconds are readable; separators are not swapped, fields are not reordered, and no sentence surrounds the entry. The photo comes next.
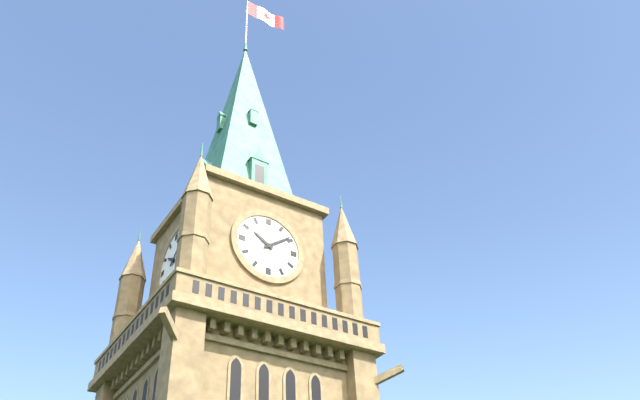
h=10 m=9
